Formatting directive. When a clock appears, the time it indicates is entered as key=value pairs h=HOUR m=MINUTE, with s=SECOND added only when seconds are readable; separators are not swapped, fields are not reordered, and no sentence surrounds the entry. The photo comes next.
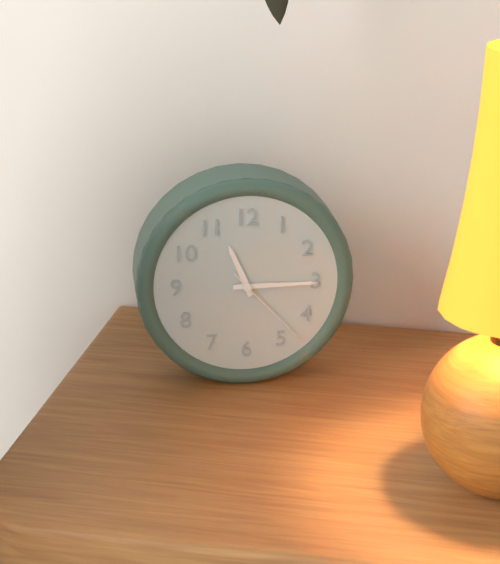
h=11 m=15 s=23
